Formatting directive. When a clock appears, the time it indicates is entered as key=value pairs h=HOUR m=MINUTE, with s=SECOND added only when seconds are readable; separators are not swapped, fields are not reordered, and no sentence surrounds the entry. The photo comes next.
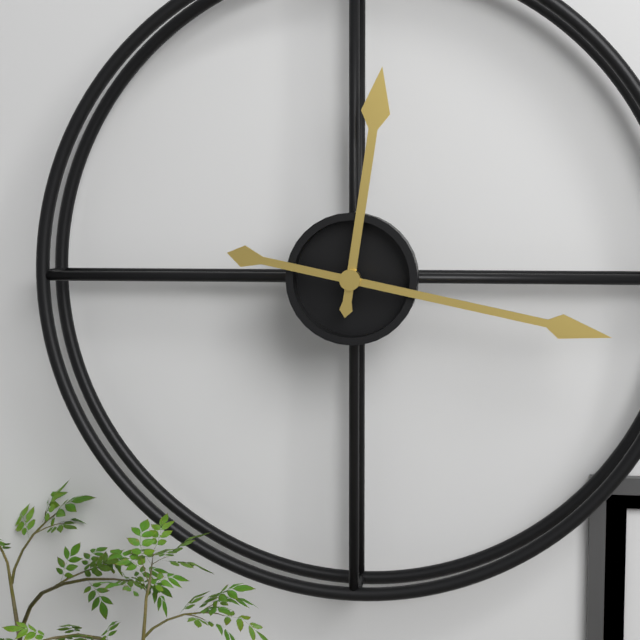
h=12 m=17
